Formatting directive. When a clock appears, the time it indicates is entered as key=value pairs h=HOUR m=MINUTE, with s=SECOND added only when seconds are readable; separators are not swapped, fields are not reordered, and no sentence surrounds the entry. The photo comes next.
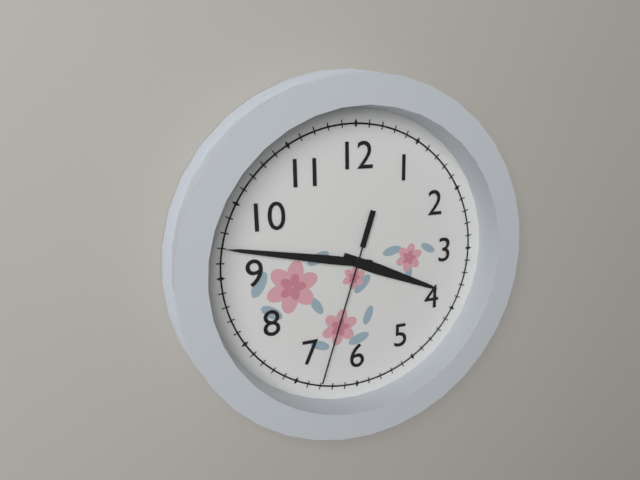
h=3 m=47 s=33
